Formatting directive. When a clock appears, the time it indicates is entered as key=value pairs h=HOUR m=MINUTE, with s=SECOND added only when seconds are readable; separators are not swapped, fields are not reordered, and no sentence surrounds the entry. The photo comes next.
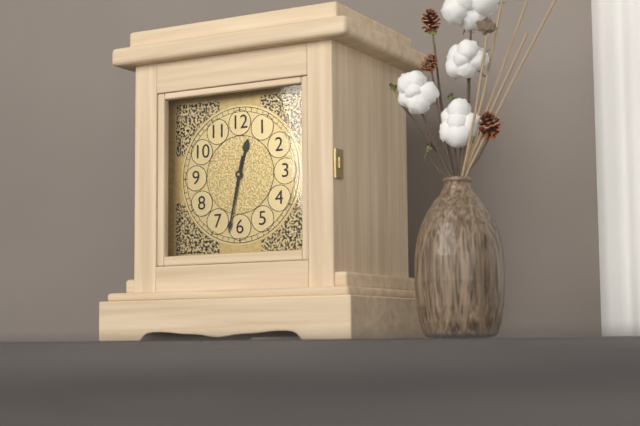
h=12 m=32
